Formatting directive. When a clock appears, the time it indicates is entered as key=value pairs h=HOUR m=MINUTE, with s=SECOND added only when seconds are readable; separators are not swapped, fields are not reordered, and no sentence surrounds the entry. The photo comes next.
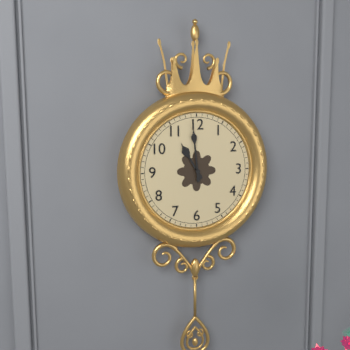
h=10 m=59
